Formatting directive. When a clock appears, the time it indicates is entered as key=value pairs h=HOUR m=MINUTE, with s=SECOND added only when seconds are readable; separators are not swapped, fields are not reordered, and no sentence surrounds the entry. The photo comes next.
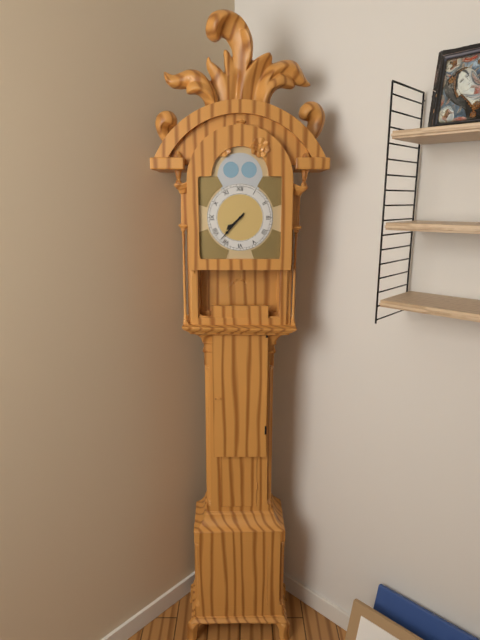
h=7 m=37
